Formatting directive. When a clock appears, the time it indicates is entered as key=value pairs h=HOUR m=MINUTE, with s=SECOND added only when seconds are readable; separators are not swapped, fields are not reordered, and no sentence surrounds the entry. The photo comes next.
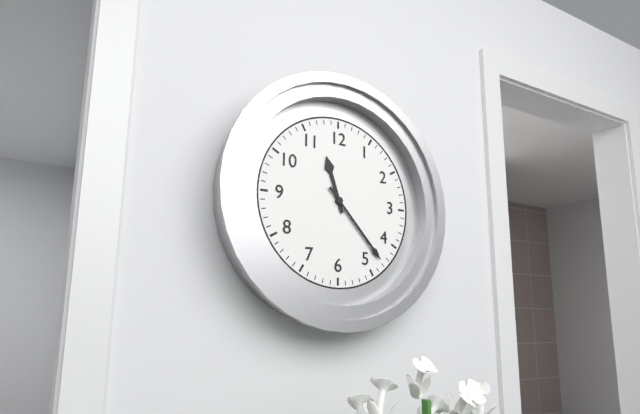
h=11 m=23
